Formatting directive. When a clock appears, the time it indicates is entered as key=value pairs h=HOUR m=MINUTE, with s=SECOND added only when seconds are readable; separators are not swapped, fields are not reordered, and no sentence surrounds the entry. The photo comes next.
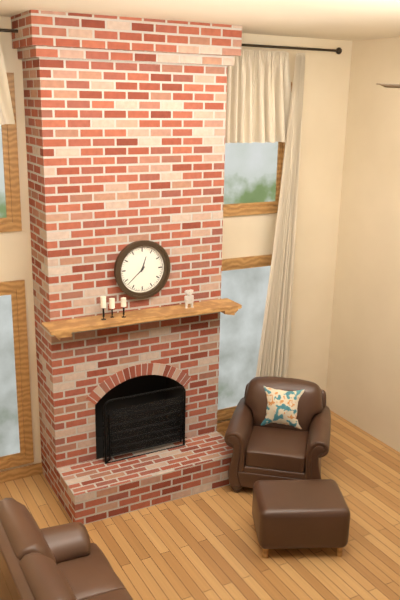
h=12 m=38
